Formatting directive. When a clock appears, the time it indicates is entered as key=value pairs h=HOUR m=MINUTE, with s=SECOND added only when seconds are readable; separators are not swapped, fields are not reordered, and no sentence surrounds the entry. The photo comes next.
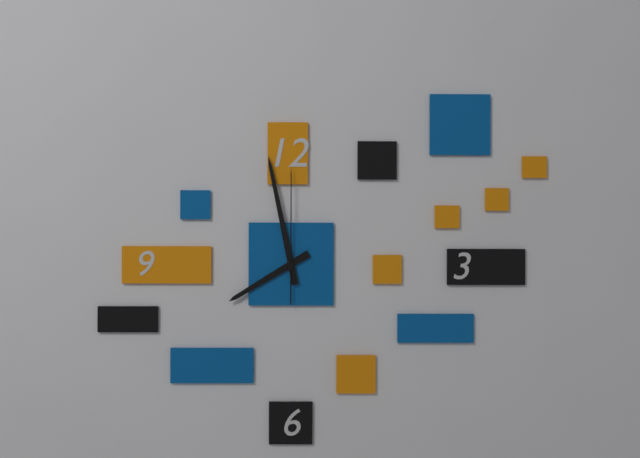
h=7 m=58 s=0
